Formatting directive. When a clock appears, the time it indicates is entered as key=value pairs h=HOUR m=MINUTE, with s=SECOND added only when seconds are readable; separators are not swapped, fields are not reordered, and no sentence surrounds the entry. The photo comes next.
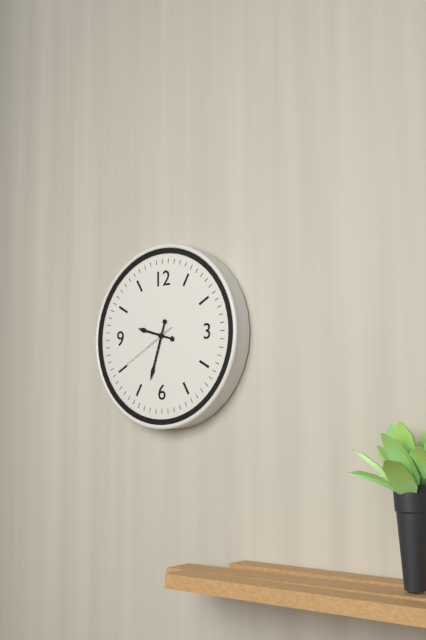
h=9 m=33 s=40
